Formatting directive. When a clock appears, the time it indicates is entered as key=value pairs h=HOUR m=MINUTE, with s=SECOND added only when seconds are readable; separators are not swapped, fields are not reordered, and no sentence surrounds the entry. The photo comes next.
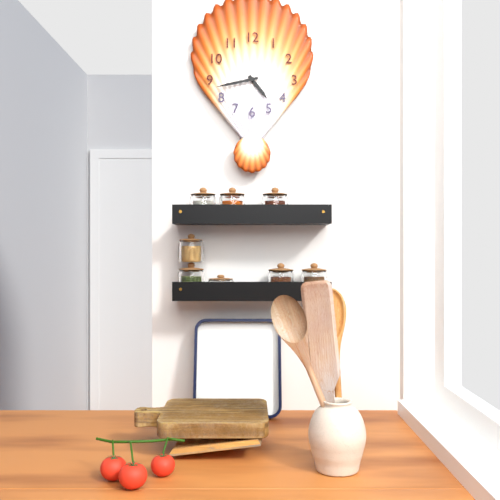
h=4 m=43
